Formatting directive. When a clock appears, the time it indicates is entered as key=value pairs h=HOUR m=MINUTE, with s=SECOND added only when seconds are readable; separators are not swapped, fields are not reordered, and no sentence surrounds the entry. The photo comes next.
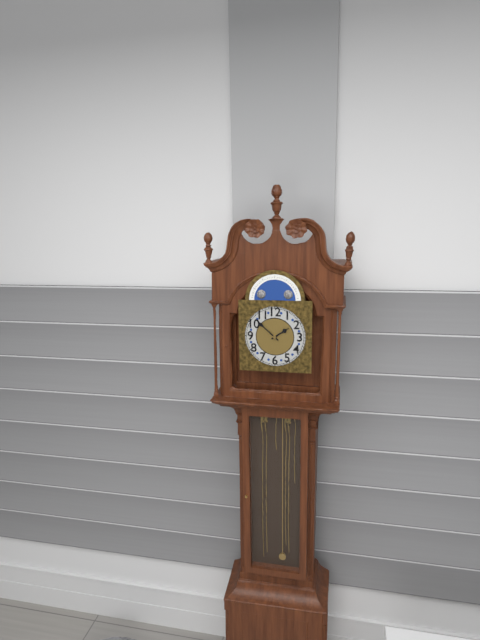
h=1 m=52
